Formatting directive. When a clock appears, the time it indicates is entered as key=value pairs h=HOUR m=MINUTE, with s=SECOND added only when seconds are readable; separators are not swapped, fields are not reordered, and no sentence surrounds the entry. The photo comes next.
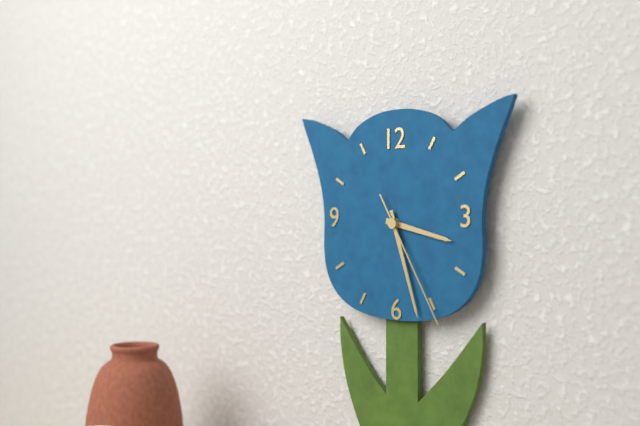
h=3 m=27 s=25
